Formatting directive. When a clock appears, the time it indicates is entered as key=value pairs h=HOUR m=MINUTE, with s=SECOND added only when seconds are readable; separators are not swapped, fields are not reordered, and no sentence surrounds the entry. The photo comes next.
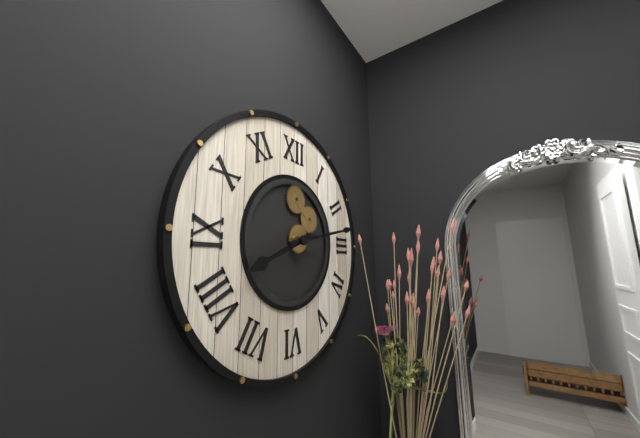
h=8 m=13
